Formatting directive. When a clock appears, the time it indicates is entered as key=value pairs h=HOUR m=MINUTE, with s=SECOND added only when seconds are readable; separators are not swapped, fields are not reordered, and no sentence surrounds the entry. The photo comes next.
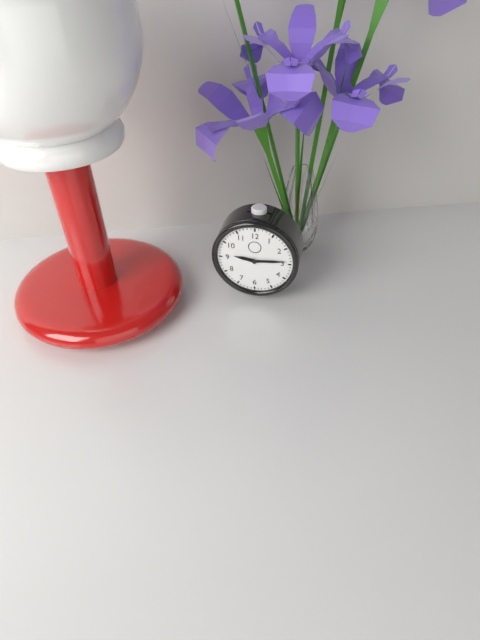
h=9 m=14
